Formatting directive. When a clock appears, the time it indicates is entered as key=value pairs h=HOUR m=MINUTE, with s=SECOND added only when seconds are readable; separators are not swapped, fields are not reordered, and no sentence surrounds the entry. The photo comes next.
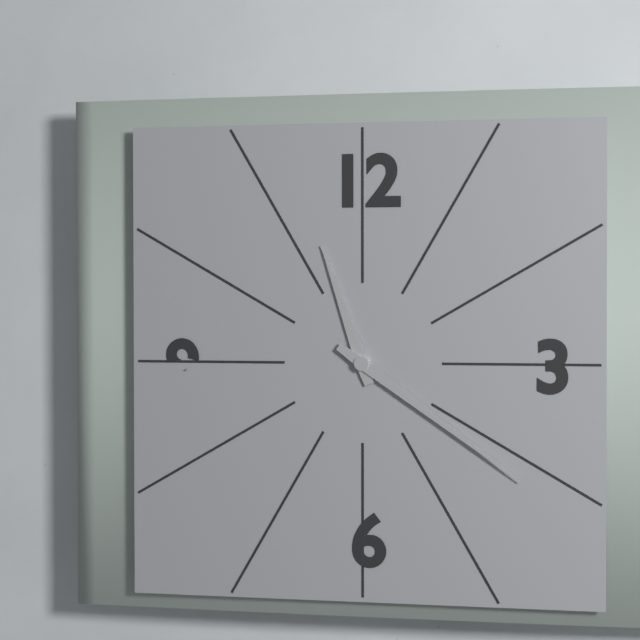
h=11 m=21
